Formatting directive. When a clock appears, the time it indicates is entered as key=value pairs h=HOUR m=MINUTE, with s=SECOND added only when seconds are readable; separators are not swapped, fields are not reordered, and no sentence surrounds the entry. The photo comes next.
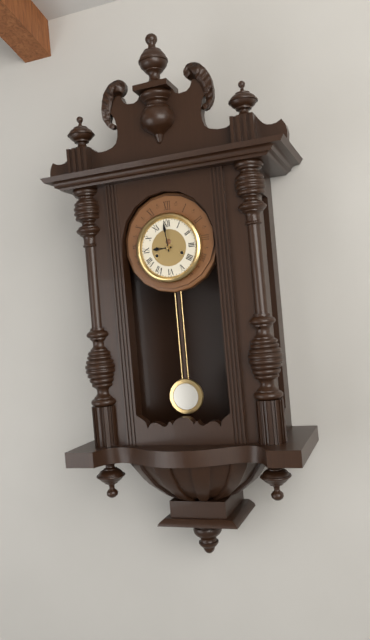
h=8 m=59
